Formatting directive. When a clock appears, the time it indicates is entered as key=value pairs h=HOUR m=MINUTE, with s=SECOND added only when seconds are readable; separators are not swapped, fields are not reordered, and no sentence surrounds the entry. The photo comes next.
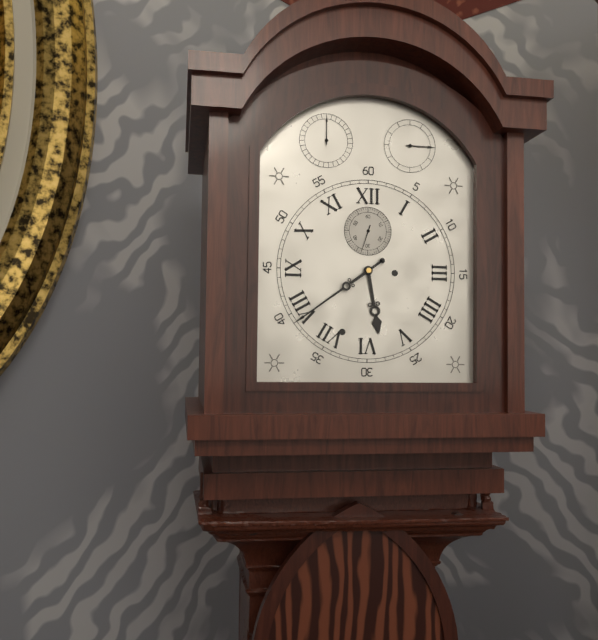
h=5 m=39
